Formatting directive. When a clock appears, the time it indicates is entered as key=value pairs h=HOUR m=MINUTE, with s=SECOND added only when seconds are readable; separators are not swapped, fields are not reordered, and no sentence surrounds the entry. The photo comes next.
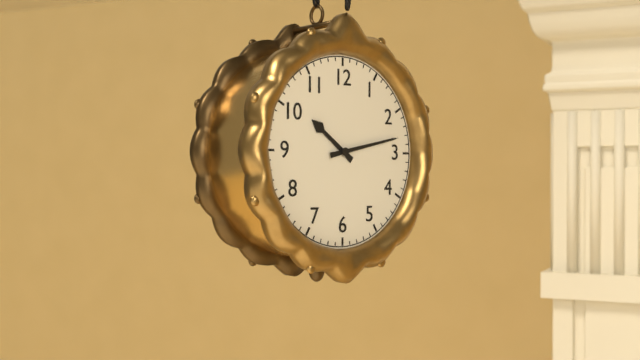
h=10 m=13
